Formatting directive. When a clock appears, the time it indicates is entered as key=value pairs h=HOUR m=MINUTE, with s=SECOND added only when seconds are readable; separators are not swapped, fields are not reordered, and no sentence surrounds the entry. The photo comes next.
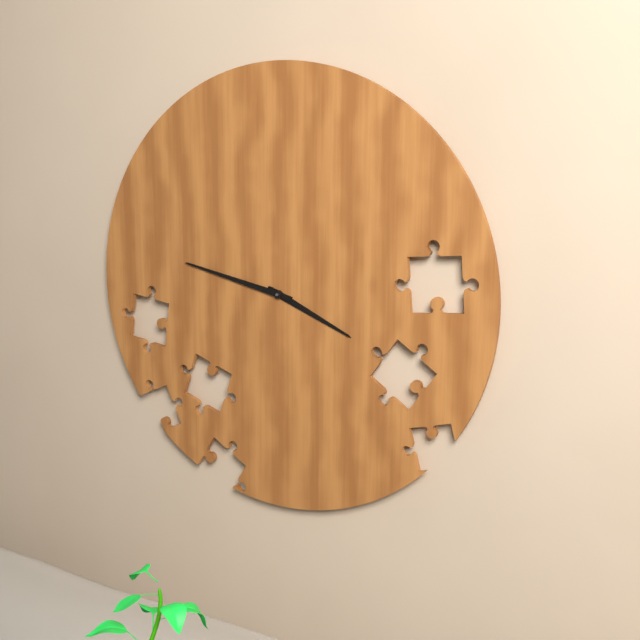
h=3 m=47
